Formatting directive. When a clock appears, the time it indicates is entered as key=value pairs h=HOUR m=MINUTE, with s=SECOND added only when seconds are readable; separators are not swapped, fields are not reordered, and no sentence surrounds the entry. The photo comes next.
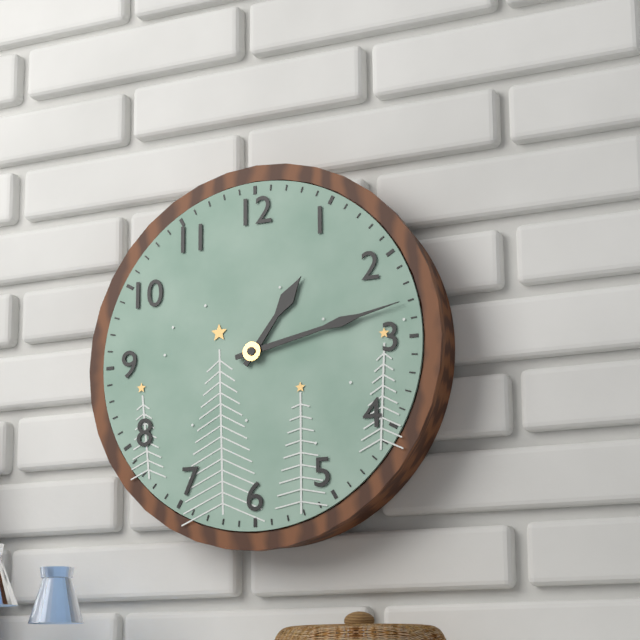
h=1 m=13
